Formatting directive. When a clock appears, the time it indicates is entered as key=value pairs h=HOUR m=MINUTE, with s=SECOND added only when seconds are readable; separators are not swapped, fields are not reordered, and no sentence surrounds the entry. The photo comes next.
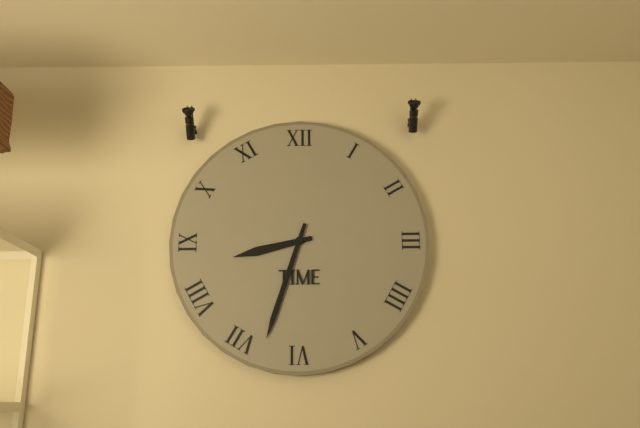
h=8 m=33
